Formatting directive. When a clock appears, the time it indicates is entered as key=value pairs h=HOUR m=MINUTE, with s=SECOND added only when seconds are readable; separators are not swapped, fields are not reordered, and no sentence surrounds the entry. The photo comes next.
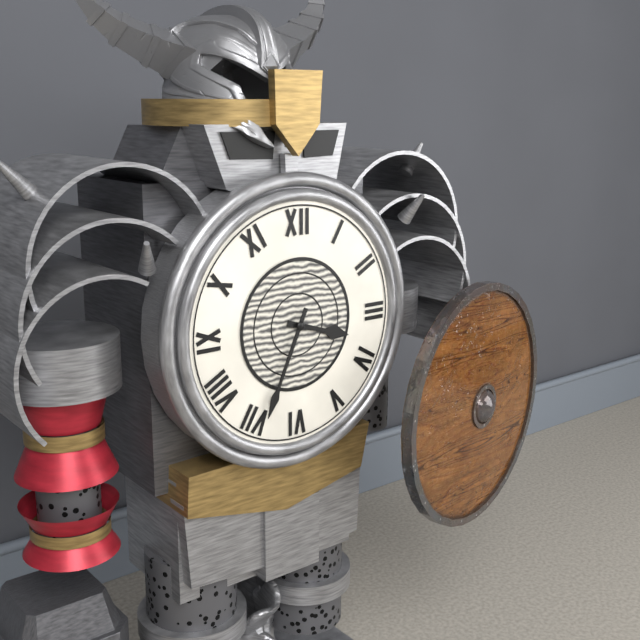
h=3 m=34
